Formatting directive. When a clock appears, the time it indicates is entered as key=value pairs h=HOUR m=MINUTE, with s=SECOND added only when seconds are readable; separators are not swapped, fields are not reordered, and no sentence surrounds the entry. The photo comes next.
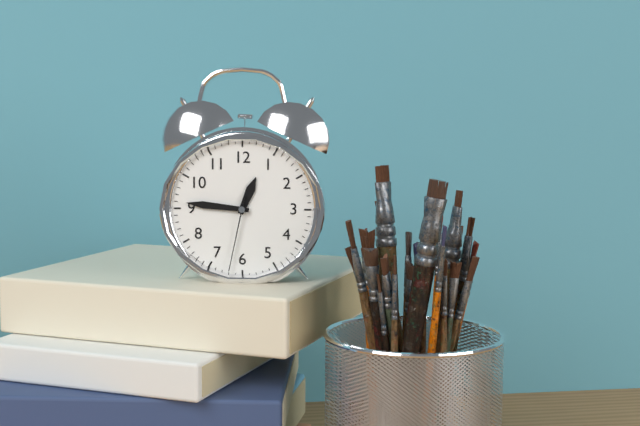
h=12 m=46 s=32
